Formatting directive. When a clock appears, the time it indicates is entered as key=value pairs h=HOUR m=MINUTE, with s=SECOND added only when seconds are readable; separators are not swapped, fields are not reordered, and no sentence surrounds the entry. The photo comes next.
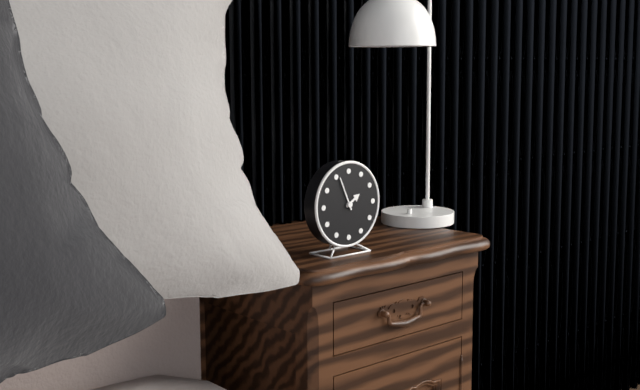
h=1 m=56
